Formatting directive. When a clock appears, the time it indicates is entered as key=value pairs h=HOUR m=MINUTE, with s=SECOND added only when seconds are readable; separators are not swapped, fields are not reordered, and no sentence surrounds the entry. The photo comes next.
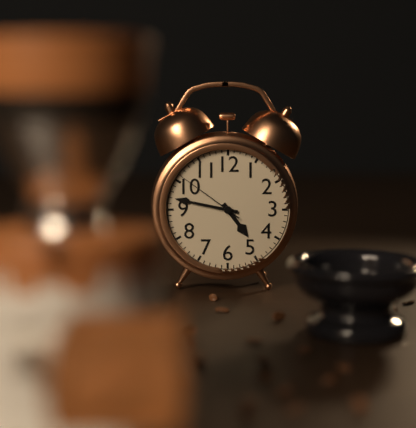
h=4 m=47 s=51
